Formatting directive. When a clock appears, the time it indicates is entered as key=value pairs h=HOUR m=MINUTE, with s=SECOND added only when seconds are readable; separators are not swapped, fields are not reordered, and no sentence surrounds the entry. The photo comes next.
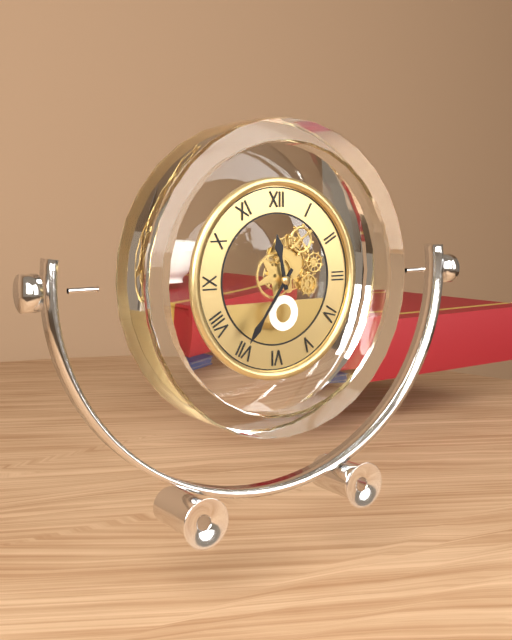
h=11 m=36
